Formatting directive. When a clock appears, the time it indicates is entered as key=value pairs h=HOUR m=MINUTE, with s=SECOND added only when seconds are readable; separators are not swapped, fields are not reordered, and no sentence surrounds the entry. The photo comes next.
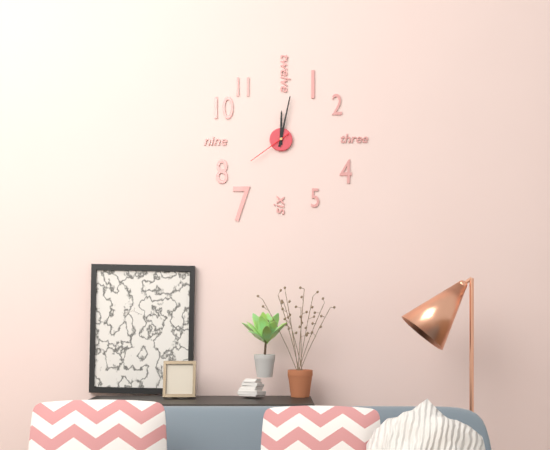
h=12 m=2
